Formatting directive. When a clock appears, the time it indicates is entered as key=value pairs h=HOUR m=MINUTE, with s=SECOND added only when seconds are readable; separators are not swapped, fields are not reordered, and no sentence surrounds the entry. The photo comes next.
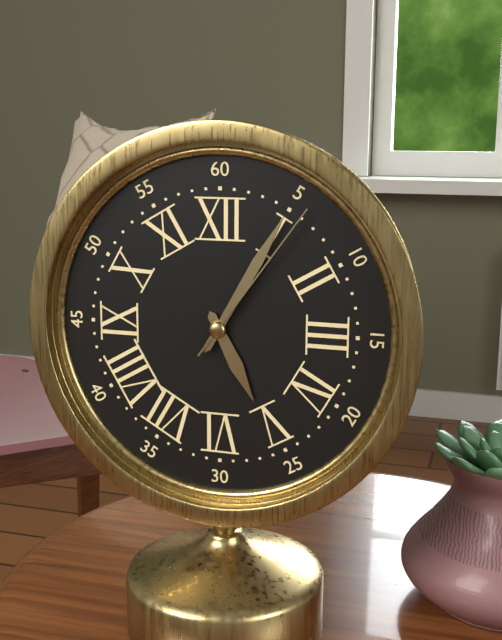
h=5 m=5 s=6
